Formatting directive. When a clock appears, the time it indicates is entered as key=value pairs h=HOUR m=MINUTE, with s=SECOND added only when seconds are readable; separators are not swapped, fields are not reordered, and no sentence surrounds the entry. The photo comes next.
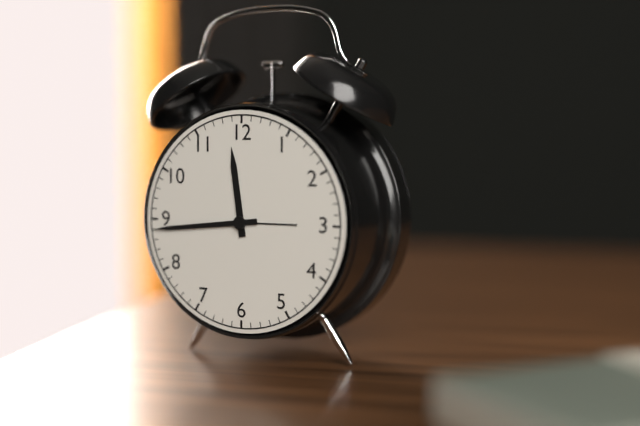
h=11 m=44
